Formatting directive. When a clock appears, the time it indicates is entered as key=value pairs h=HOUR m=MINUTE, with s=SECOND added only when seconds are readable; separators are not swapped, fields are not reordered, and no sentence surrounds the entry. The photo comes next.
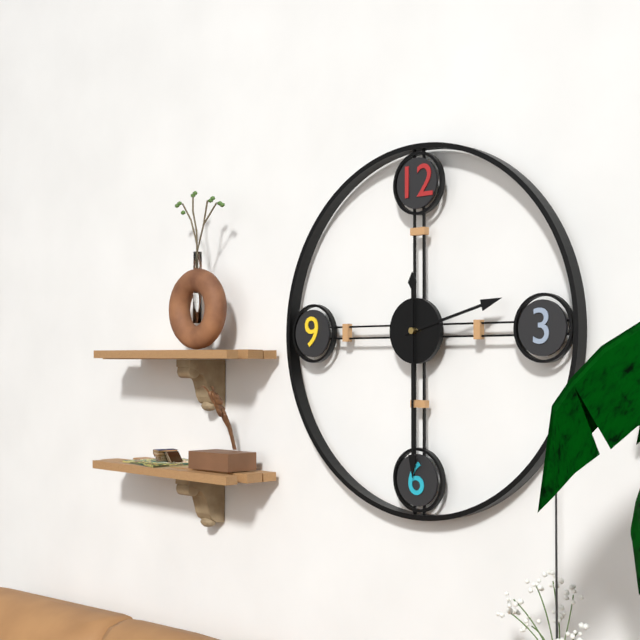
h=2 m=30
